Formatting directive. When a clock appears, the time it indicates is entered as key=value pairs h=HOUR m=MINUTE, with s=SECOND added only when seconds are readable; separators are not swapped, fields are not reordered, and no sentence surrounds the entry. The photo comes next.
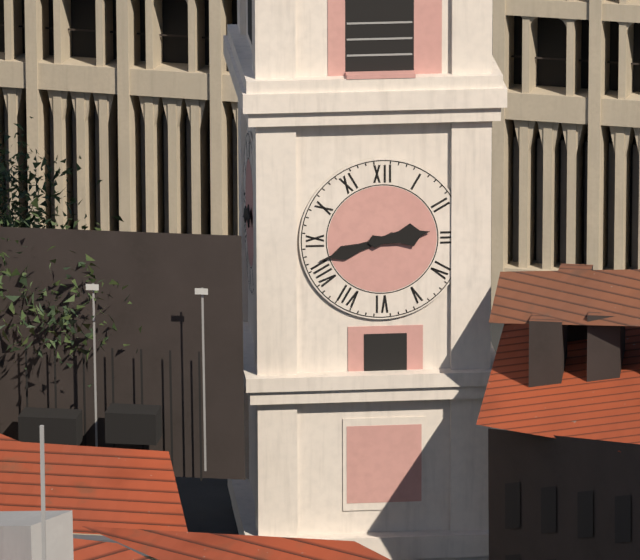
h=2 m=42
